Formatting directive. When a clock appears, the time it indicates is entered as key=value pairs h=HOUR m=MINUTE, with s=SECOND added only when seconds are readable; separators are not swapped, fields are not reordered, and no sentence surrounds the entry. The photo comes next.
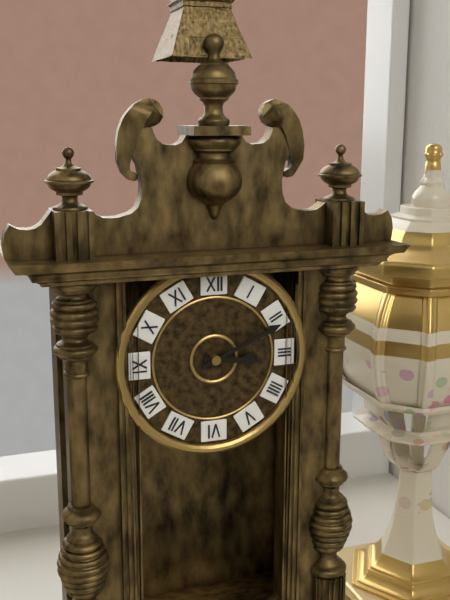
h=3 m=11
